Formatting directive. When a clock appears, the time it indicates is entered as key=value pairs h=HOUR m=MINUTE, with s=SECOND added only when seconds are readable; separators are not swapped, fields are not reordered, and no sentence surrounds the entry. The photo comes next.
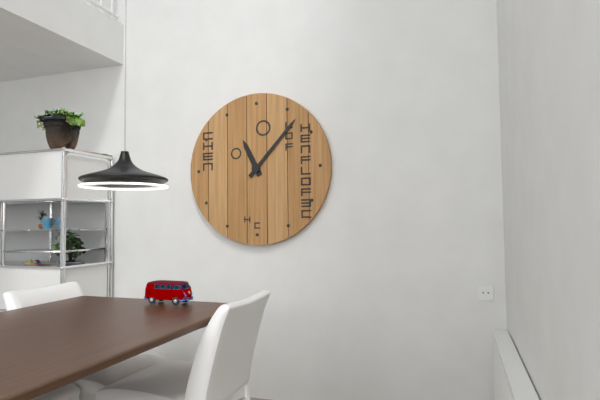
h=11 m=7
